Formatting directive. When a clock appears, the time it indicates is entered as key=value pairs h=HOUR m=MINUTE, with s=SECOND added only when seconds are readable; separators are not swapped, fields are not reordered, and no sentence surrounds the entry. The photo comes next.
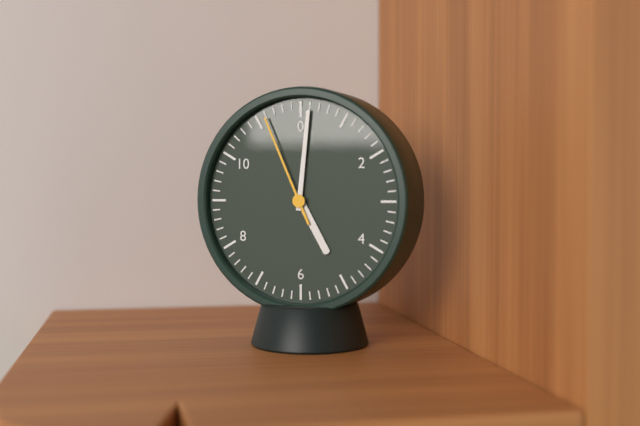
h=5 m=1 s=56
